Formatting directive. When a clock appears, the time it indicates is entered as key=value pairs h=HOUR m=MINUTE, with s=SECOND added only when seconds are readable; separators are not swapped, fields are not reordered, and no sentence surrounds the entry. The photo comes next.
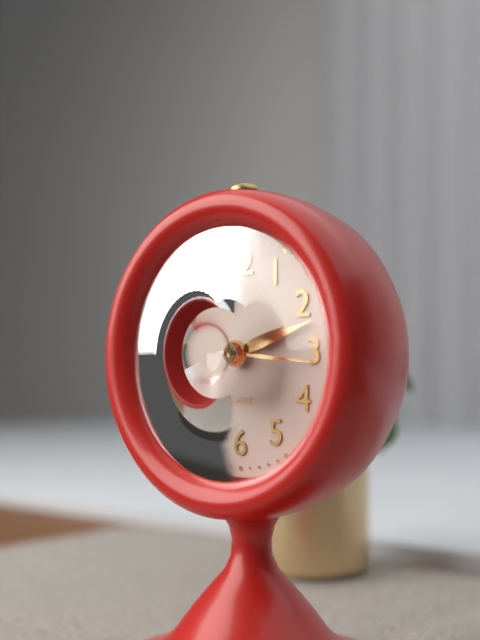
h=2 m=12 s=16
